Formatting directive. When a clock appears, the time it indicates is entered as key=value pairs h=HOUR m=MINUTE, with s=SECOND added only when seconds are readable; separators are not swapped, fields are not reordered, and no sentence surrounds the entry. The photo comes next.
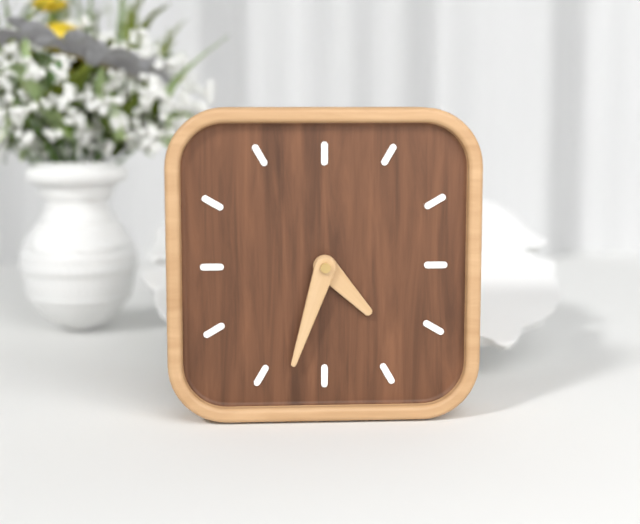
h=4 m=33
